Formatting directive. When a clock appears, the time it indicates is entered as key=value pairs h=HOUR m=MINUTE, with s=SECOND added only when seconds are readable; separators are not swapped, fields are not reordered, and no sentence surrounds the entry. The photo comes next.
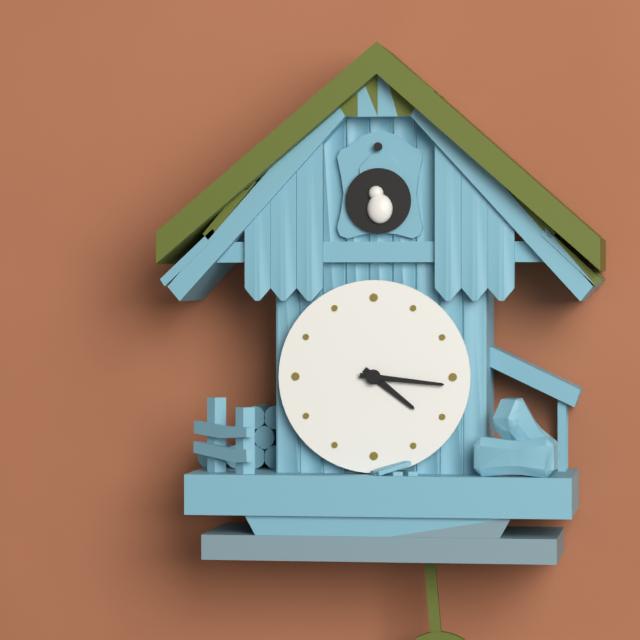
h=4 m=16
